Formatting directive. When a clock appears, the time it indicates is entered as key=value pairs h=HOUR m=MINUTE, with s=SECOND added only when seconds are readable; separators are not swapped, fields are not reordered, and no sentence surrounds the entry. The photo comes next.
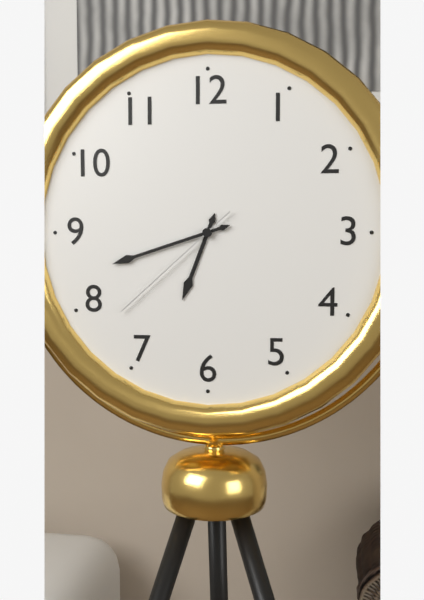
h=6 m=42 s=38
